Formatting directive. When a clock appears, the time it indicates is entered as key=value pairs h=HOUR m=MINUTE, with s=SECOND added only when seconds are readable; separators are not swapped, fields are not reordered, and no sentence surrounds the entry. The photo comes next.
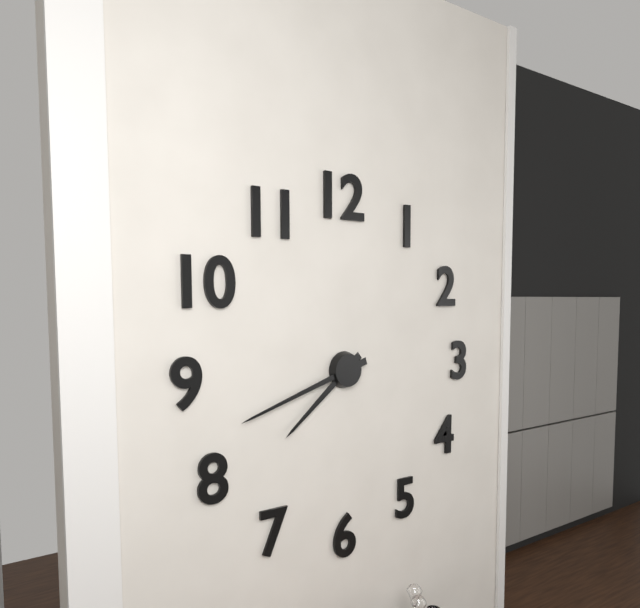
h=7 m=42
